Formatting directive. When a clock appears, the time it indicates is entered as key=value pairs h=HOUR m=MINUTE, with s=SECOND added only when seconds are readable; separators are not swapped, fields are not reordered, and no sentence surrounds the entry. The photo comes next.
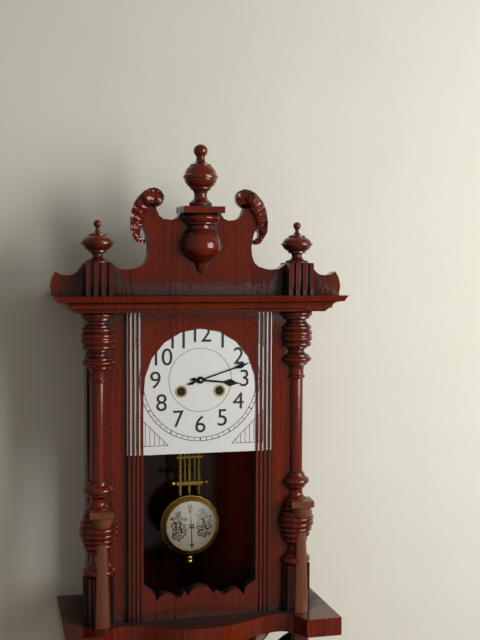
h=3 m=12
